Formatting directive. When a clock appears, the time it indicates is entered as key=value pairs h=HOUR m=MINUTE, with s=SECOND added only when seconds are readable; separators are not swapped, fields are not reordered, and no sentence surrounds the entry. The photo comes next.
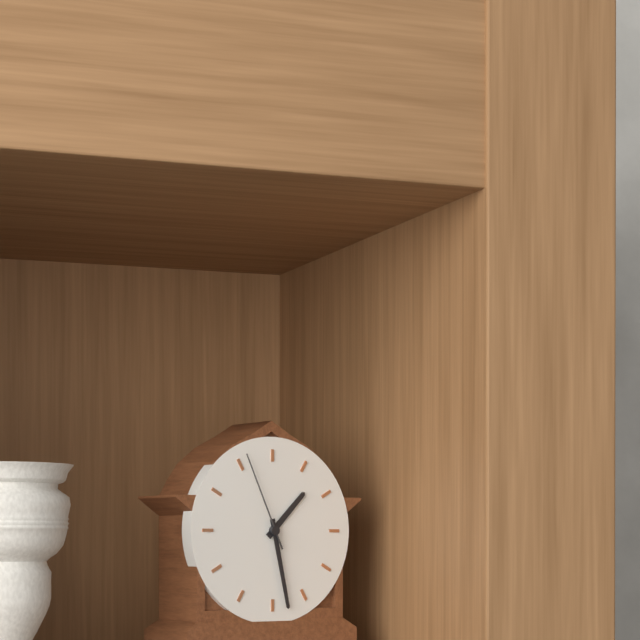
h=1 m=28 s=56
